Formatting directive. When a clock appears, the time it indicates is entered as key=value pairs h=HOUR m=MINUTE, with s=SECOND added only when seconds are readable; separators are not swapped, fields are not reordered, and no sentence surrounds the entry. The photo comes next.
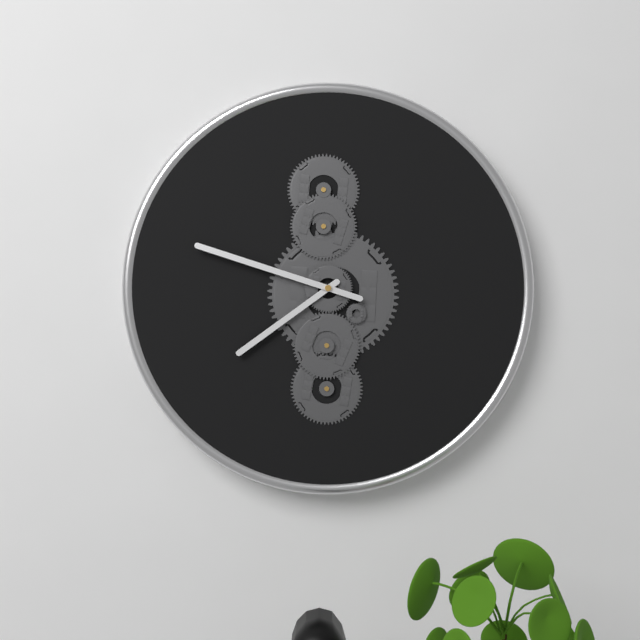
h=7 m=48
